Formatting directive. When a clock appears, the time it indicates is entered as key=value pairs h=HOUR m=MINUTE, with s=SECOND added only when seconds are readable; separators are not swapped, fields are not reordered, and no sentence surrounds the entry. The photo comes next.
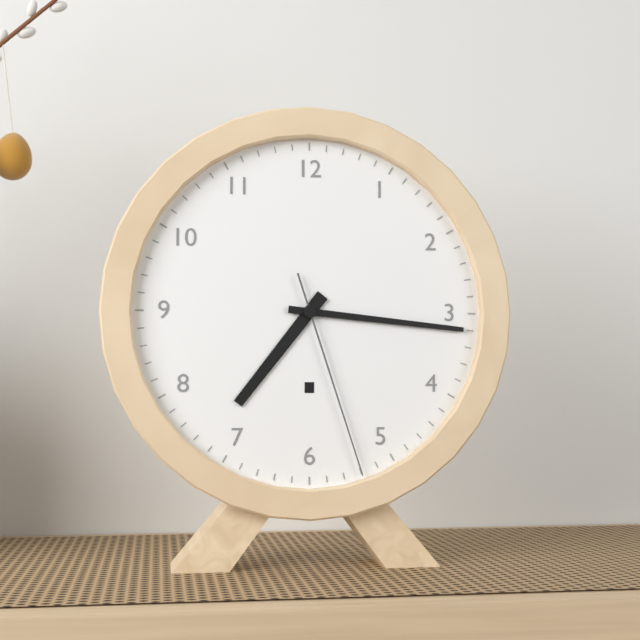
h=7 m=16 s=27
